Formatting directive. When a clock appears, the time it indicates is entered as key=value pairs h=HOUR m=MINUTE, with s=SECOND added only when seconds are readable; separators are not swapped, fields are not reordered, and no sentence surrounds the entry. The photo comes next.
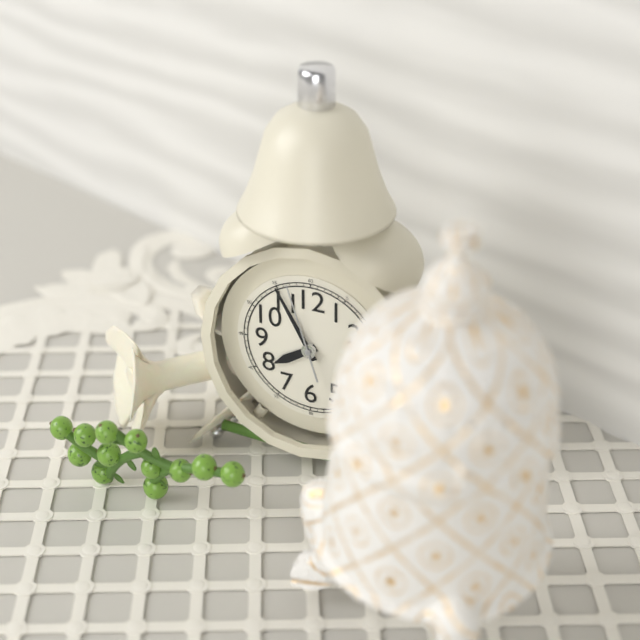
h=7 m=55 s=57
